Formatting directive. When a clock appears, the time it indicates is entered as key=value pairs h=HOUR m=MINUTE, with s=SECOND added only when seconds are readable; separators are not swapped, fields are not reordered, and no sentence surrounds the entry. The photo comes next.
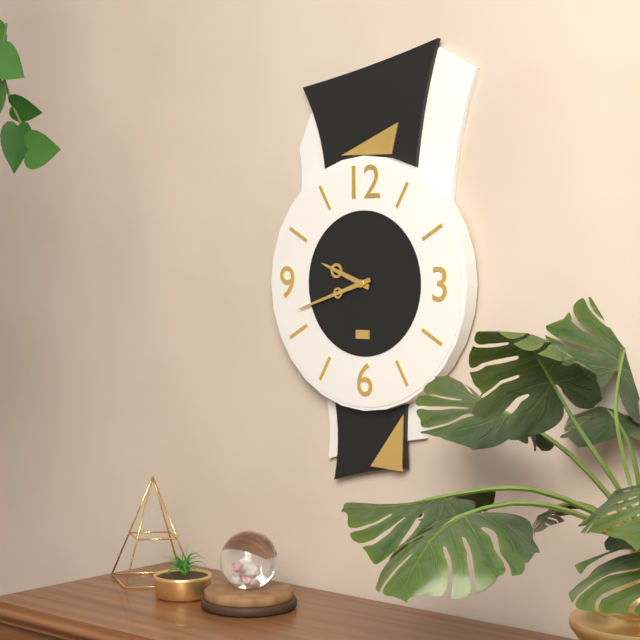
h=9 m=42
